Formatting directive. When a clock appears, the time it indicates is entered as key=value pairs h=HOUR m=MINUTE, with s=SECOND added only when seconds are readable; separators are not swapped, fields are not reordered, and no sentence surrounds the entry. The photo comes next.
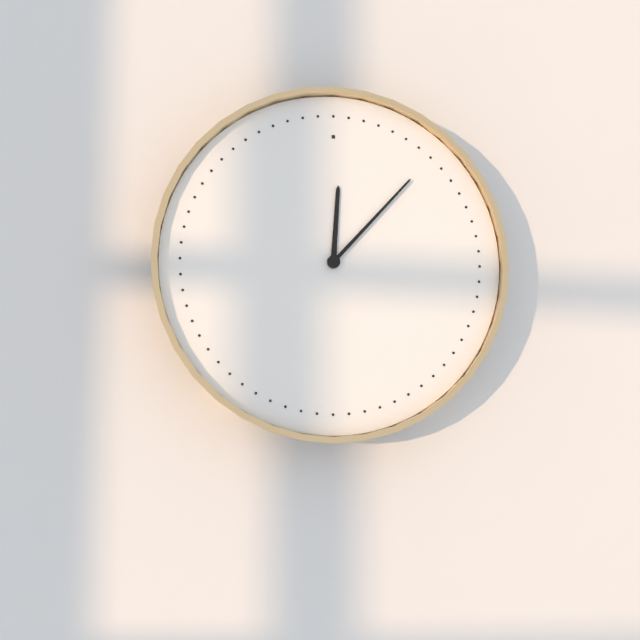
h=12 m=7
